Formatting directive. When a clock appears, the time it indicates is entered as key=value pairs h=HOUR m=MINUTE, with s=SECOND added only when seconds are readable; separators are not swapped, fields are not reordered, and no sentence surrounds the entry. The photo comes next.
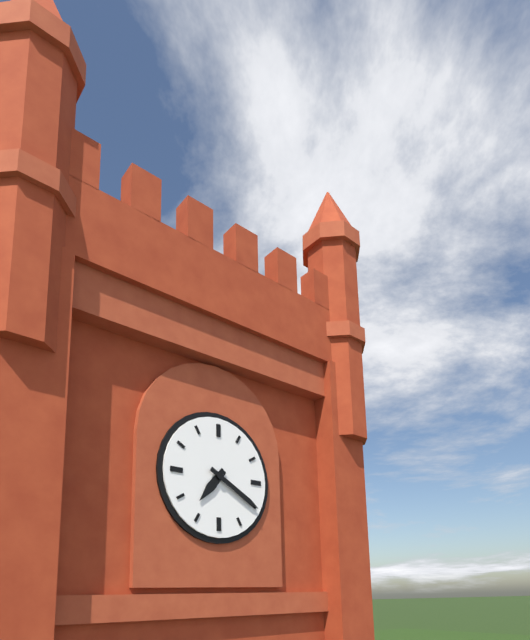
h=7 m=20
